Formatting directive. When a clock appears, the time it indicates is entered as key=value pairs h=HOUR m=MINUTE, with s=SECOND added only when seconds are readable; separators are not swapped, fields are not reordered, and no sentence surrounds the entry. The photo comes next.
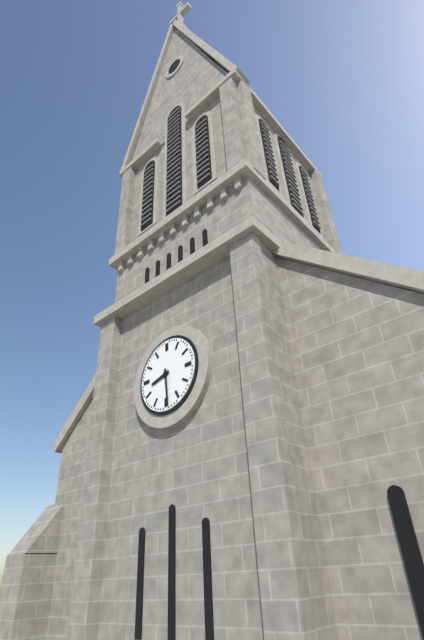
h=8 m=29
